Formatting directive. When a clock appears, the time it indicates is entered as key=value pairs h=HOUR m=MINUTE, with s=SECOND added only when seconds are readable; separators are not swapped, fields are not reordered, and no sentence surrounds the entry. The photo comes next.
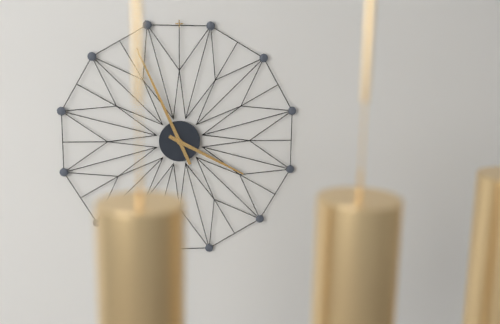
h=3 m=56
